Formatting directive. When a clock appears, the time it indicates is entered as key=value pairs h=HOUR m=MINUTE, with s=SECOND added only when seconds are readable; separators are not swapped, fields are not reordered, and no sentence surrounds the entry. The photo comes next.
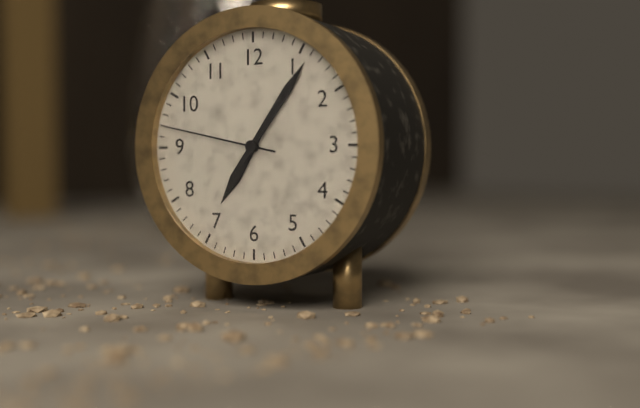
h=7 m=6 s=47
